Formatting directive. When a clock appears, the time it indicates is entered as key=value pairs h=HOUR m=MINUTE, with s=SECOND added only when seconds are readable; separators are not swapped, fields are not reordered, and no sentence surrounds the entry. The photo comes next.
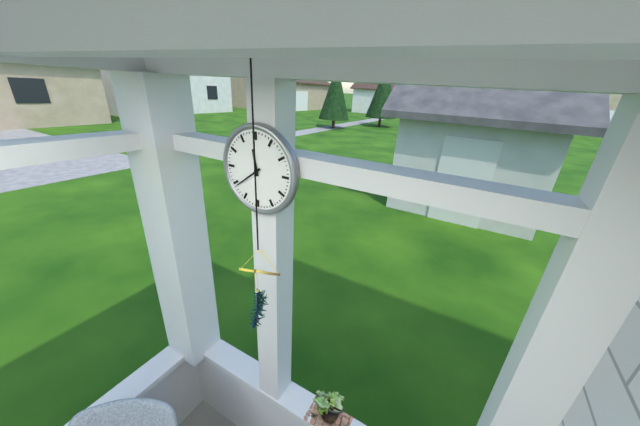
h=11 m=39
